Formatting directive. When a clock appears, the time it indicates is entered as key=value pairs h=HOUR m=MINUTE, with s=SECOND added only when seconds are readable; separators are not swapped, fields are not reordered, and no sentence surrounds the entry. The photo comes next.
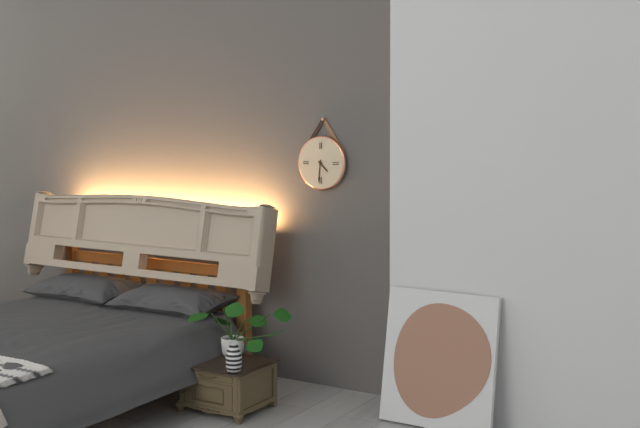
h=4 m=31
